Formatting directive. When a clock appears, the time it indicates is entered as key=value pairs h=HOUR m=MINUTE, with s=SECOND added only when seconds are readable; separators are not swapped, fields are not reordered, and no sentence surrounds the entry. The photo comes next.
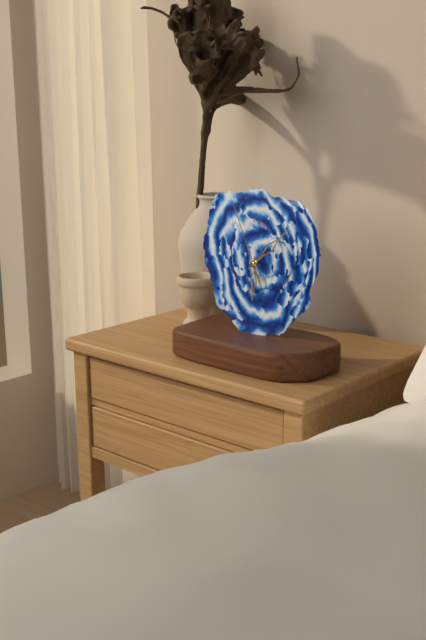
h=6 m=8 s=56
